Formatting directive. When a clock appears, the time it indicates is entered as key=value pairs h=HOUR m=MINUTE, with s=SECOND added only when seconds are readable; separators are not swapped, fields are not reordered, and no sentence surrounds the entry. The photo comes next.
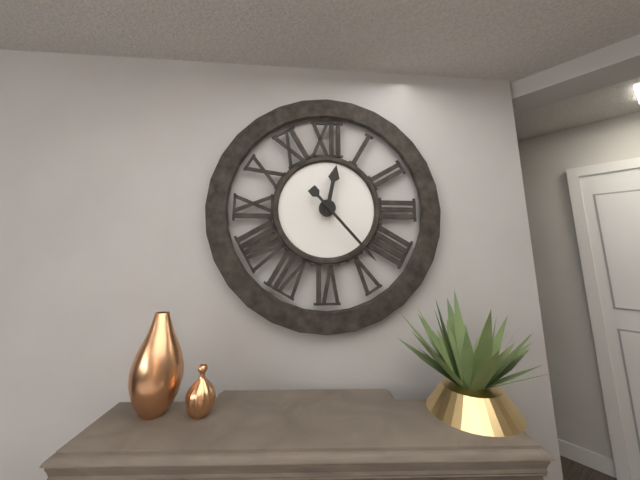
h=12 m=23
